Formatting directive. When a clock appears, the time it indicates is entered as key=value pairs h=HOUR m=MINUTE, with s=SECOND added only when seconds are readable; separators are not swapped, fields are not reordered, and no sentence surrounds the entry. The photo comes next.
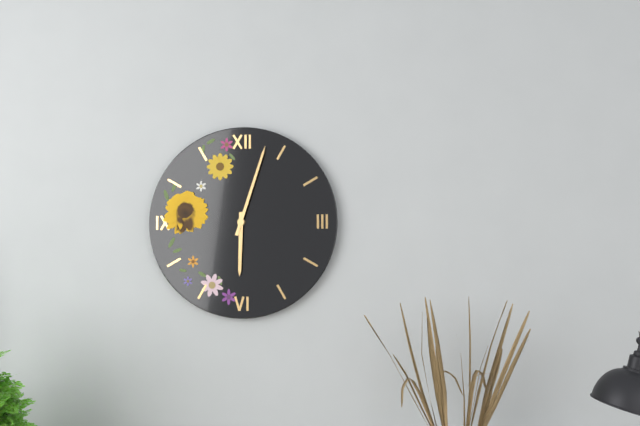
h=6 m=3
